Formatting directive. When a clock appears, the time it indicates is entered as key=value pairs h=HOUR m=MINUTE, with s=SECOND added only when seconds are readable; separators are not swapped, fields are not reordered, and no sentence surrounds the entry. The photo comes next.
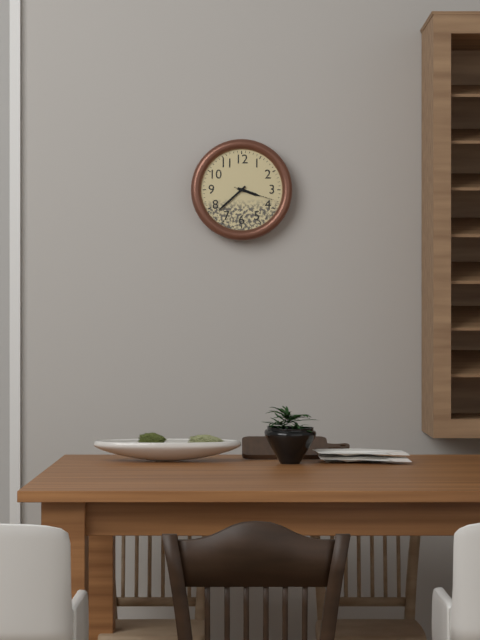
h=3 m=38
